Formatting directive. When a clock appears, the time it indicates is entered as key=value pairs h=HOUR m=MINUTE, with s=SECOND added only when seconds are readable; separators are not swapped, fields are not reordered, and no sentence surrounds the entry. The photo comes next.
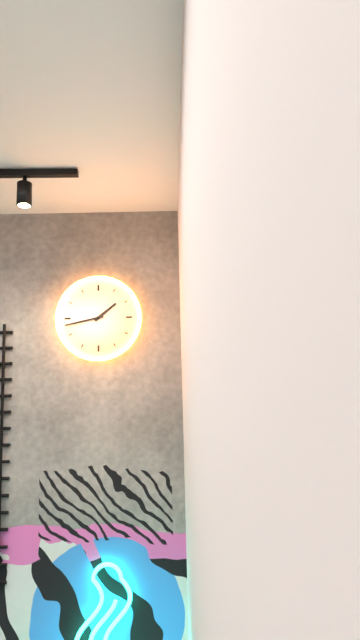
h=1 m=43
